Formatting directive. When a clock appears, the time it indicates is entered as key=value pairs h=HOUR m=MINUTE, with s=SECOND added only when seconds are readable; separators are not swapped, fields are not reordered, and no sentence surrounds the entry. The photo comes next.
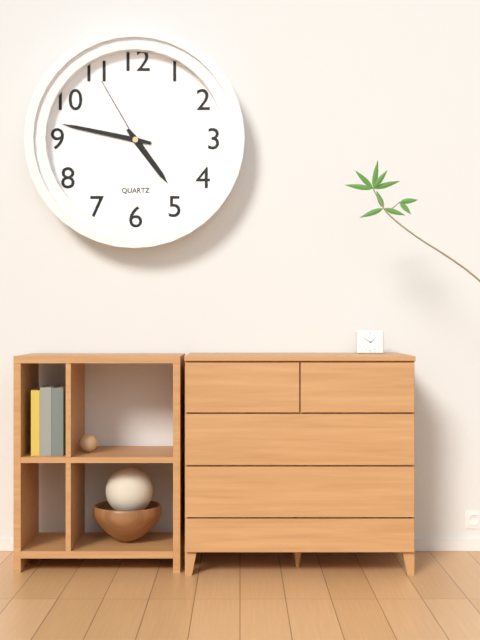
h=4 m=47 s=55
